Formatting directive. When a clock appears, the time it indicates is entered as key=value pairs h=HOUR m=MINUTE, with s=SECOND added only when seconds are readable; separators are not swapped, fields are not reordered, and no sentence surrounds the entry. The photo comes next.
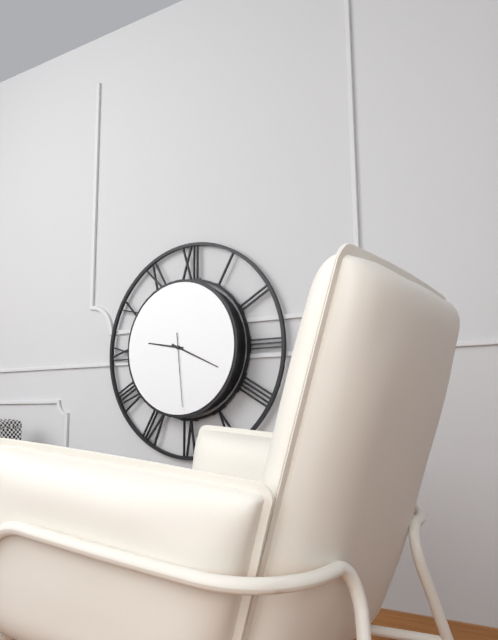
h=9 m=19 s=29
